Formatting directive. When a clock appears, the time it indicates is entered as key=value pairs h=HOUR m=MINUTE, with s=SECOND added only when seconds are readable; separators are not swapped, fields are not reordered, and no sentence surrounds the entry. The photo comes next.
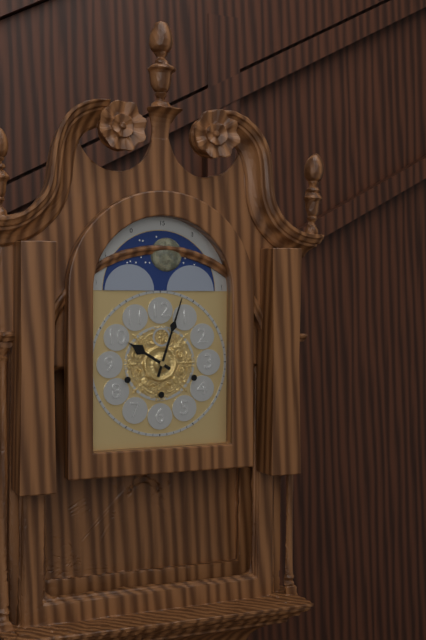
h=10 m=3
